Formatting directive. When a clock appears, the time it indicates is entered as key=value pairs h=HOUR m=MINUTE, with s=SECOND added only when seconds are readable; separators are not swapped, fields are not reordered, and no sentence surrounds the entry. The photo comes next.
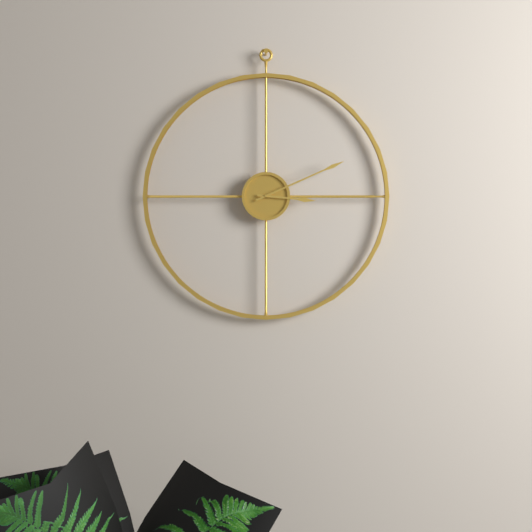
h=3 m=11
